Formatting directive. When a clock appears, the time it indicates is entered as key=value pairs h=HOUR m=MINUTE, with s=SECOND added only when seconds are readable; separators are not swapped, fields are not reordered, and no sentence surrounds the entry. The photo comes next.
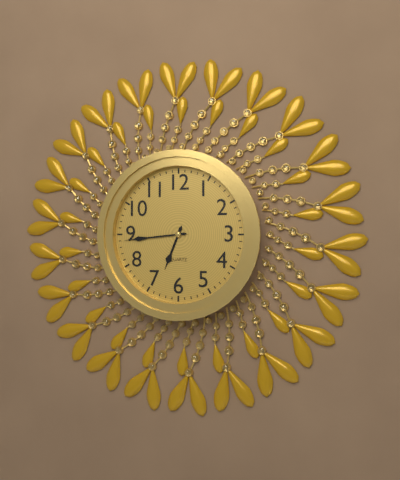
h=6 m=44
